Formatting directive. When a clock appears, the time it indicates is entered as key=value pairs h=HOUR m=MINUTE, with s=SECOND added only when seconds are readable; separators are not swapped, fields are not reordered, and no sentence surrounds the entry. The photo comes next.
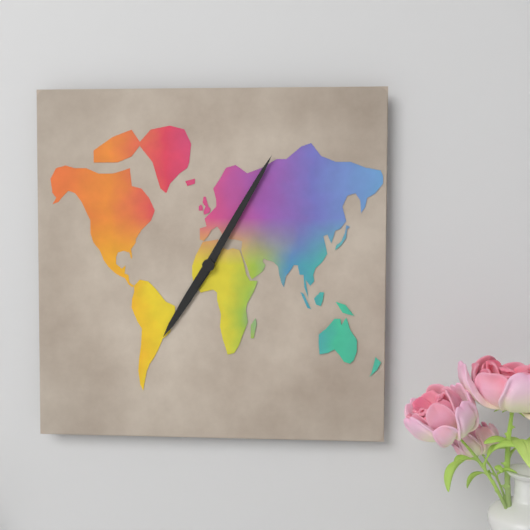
h=7 m=5
